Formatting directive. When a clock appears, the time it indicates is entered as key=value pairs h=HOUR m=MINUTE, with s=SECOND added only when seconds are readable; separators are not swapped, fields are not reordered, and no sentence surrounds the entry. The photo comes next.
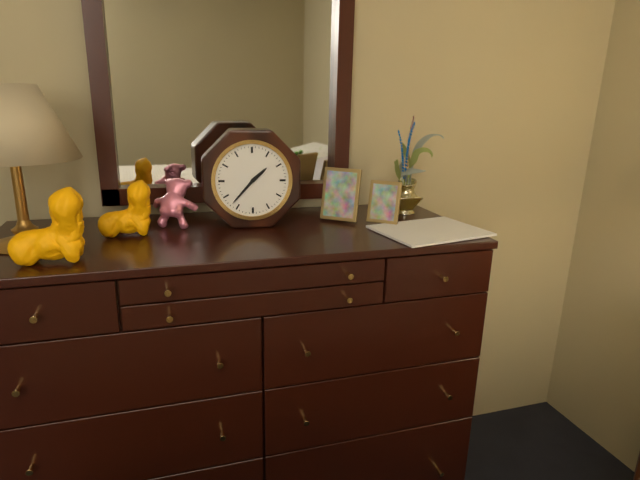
h=1 m=37
